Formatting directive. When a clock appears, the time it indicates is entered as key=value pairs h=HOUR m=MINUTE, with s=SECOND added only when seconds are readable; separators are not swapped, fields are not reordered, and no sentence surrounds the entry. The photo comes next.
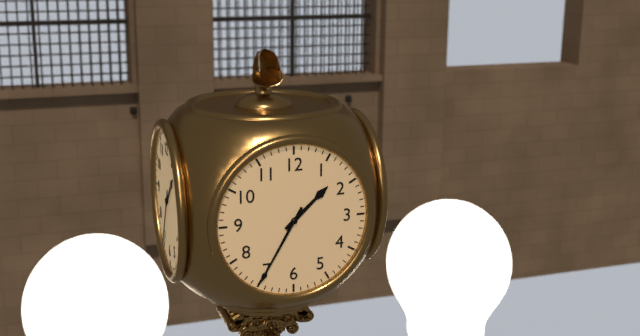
h=1 m=35
